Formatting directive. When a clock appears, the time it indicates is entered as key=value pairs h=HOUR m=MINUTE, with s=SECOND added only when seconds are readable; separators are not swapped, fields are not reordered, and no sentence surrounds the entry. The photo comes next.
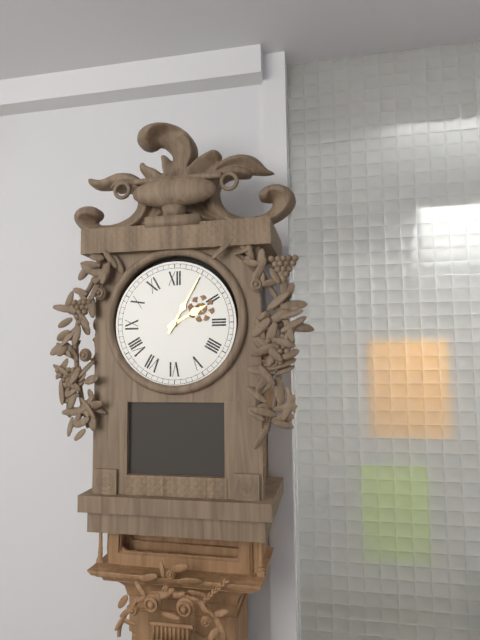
h=2 m=5
